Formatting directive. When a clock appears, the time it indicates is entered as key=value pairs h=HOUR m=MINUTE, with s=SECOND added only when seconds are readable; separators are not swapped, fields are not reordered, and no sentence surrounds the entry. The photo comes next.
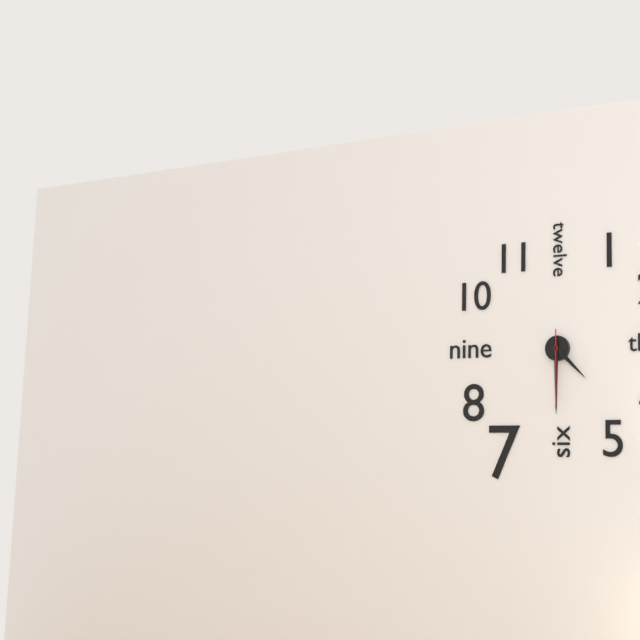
h=4 m=30 s=30
